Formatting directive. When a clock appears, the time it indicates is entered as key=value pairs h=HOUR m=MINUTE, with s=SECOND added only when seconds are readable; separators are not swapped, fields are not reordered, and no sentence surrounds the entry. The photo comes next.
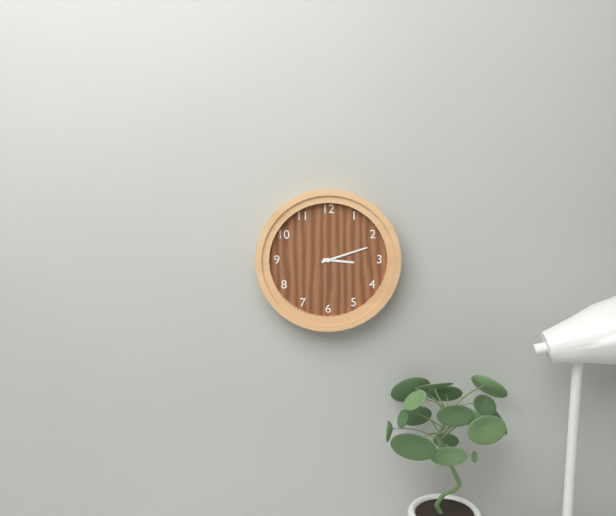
h=3 m=12
